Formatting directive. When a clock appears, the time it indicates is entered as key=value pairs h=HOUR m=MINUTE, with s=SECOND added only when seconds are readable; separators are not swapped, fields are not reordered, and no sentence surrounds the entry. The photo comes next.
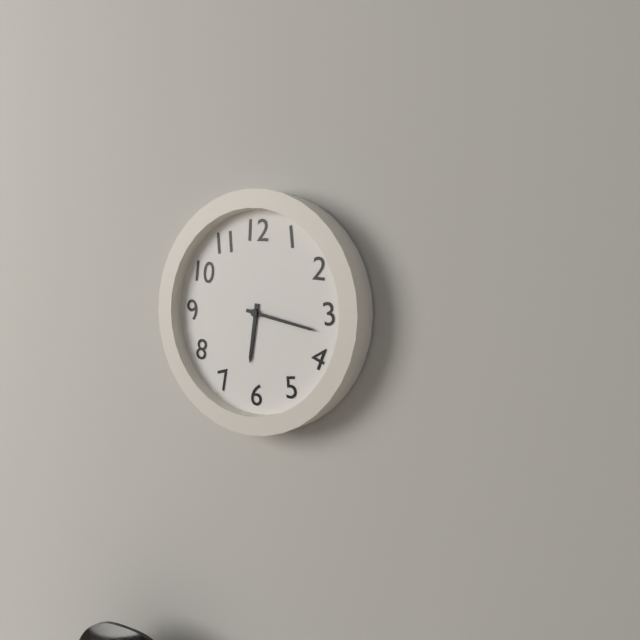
h=6 m=17
